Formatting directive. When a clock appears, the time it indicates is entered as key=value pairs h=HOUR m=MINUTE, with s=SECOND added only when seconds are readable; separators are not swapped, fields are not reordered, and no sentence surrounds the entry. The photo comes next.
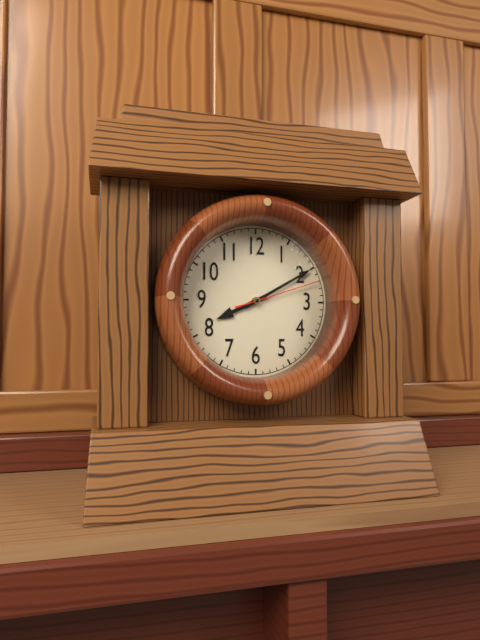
h=8 m=10 s=12
